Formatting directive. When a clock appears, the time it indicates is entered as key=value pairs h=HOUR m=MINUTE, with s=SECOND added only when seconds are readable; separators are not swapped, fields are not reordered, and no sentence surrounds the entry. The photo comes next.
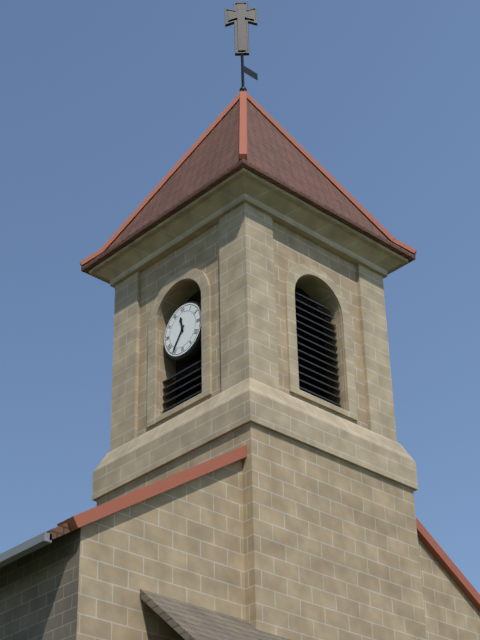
h=11 m=36
